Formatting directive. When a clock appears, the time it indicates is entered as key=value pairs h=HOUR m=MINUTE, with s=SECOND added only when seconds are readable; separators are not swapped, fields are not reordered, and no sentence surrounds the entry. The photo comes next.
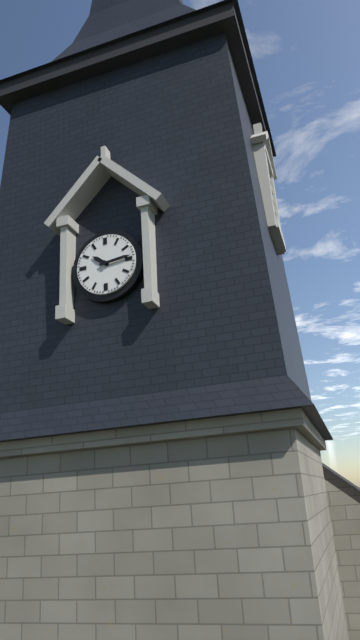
h=10 m=14
